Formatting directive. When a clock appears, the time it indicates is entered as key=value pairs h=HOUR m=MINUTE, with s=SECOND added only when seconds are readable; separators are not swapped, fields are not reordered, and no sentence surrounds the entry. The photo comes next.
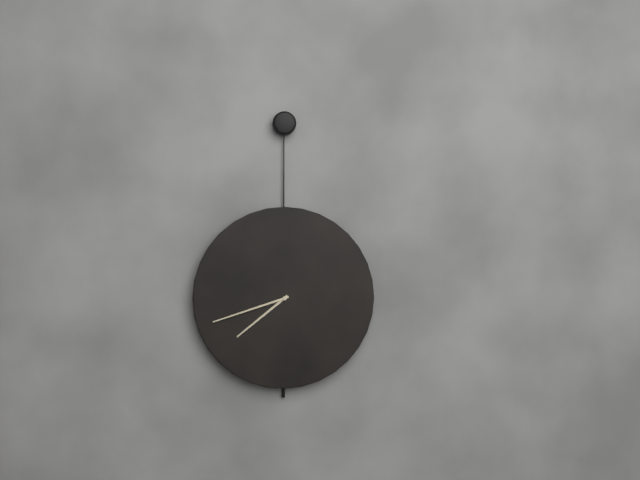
h=7 m=42
